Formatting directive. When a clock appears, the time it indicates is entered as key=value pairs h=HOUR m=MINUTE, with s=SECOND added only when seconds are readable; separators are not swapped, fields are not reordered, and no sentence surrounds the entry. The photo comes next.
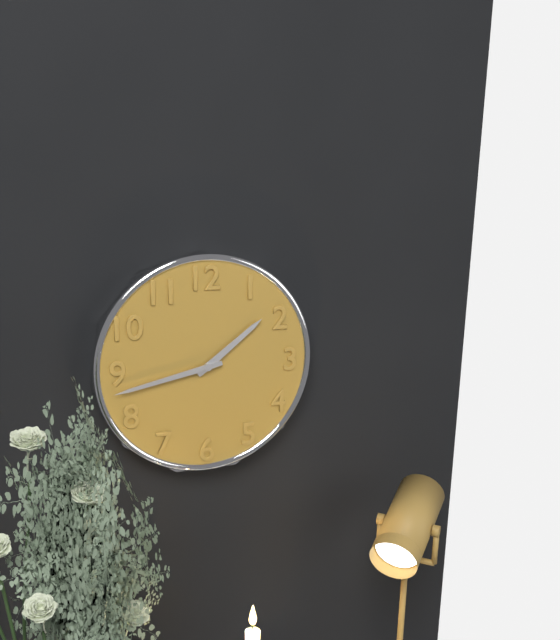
h=1 m=43
